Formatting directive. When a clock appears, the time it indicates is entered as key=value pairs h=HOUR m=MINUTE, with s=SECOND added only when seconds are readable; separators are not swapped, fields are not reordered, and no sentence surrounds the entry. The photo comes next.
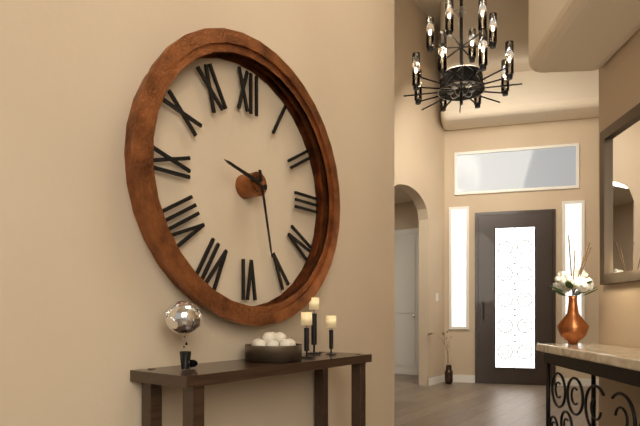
h=9 m=28
